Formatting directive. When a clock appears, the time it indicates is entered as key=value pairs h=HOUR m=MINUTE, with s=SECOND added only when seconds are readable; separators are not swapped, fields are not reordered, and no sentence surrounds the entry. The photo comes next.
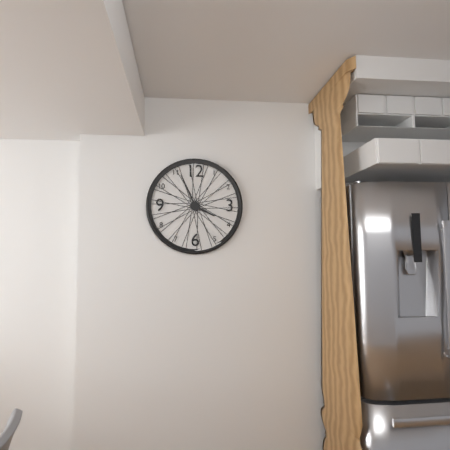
h=3 m=56
